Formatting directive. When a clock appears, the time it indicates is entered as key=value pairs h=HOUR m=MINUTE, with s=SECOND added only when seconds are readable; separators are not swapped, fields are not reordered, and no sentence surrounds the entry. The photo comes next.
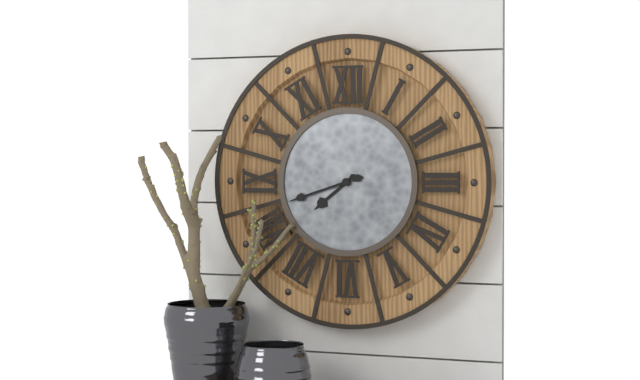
h=7 m=42
